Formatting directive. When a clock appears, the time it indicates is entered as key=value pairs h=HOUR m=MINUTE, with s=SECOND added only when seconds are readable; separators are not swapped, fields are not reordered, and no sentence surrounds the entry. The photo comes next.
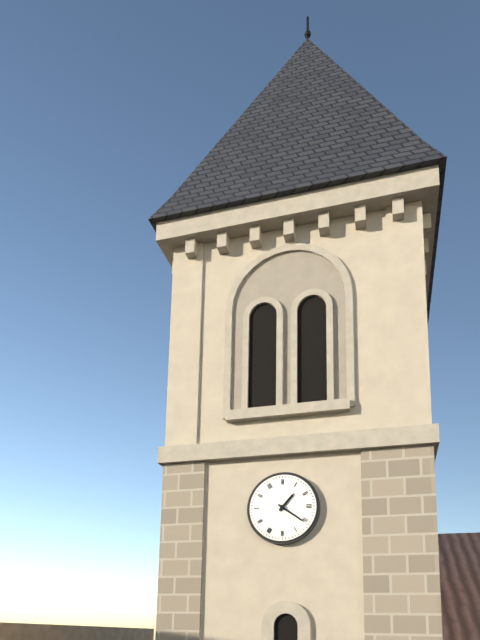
h=1 m=21
